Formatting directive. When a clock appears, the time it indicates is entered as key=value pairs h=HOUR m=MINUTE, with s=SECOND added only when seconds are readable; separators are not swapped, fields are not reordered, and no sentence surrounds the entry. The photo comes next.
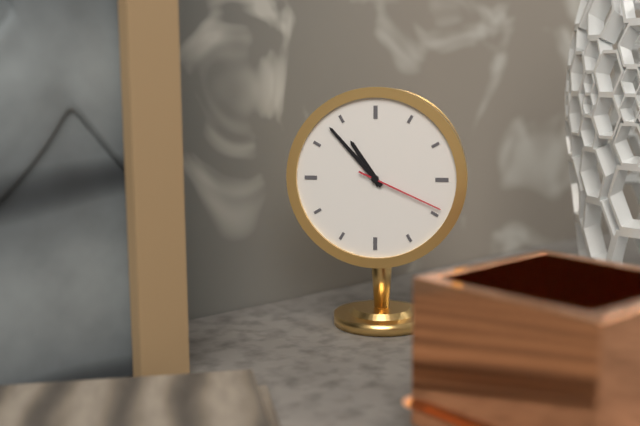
h=10 m=53 s=19
